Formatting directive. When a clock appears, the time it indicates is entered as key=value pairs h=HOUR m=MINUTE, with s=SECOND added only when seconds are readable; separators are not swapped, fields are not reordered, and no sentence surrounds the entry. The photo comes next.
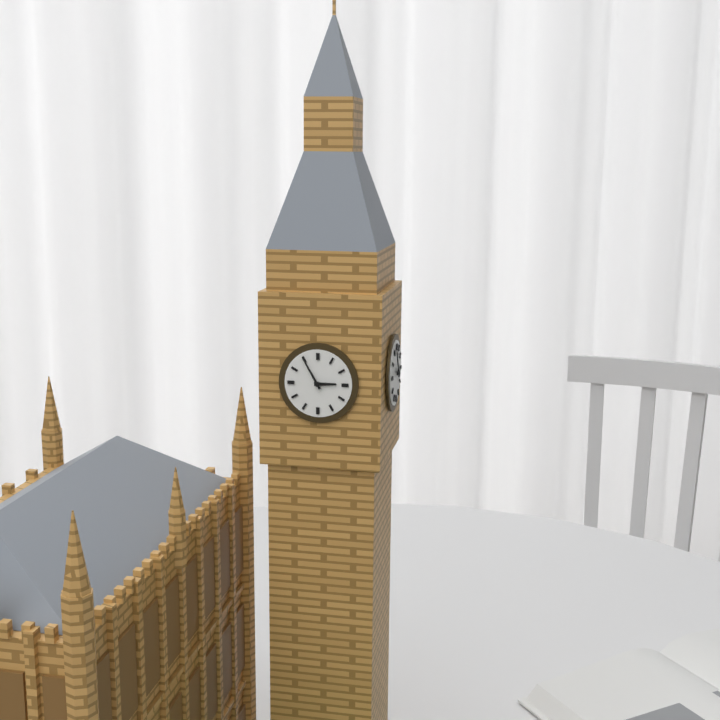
h=2 m=55
